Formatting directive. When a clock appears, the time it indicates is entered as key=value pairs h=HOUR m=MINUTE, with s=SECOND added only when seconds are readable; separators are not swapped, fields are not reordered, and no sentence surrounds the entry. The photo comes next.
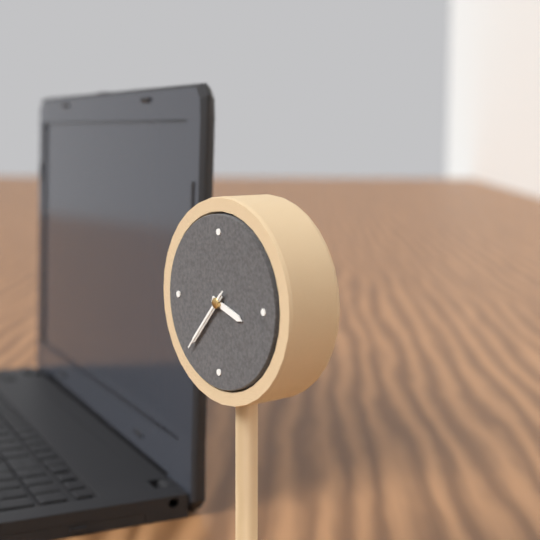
h=3 m=37 s=37
